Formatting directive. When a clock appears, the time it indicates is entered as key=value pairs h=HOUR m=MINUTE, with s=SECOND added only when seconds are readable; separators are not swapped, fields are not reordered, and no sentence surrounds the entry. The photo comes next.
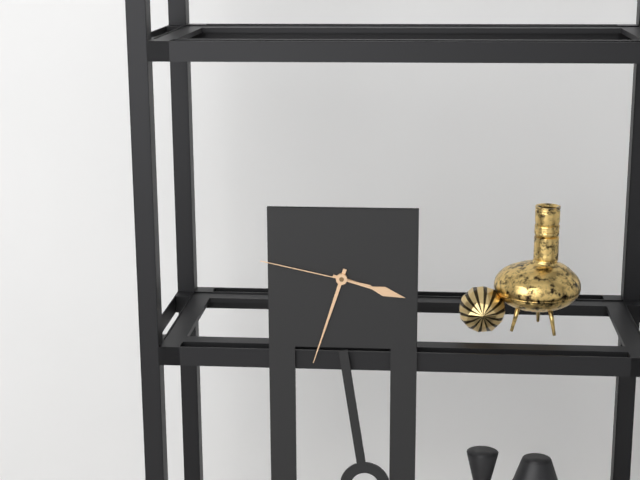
h=3 m=33 s=47
